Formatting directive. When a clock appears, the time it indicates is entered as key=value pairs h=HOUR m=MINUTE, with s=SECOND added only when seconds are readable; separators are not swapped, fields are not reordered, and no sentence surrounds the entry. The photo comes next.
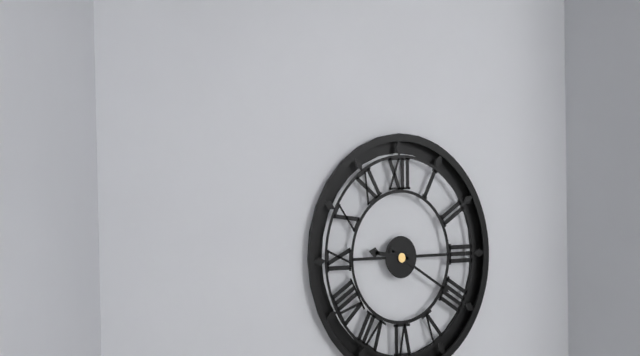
h=9 m=20
